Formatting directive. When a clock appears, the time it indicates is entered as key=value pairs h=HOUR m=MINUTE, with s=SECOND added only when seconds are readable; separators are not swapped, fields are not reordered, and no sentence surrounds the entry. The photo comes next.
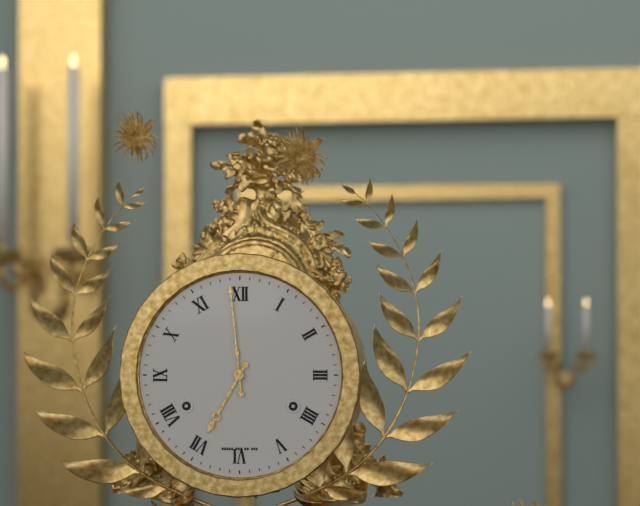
h=6 m=59
